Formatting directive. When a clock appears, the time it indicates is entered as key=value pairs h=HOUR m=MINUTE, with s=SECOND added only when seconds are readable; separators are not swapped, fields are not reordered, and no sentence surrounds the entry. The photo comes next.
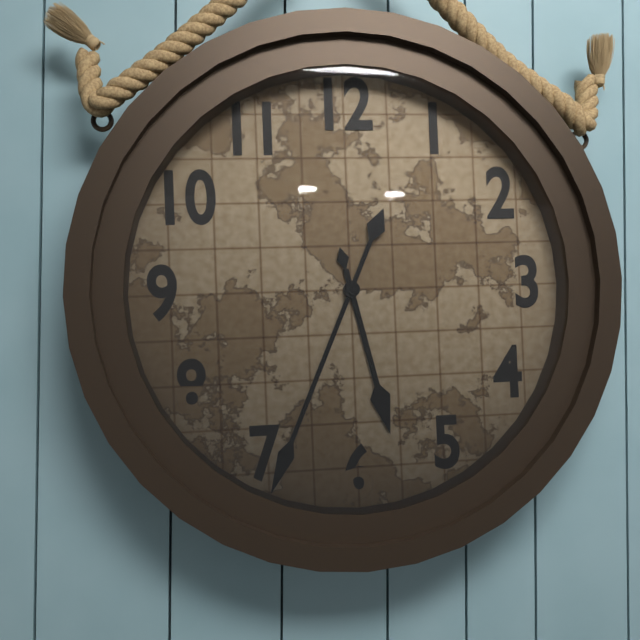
h=5 m=34
